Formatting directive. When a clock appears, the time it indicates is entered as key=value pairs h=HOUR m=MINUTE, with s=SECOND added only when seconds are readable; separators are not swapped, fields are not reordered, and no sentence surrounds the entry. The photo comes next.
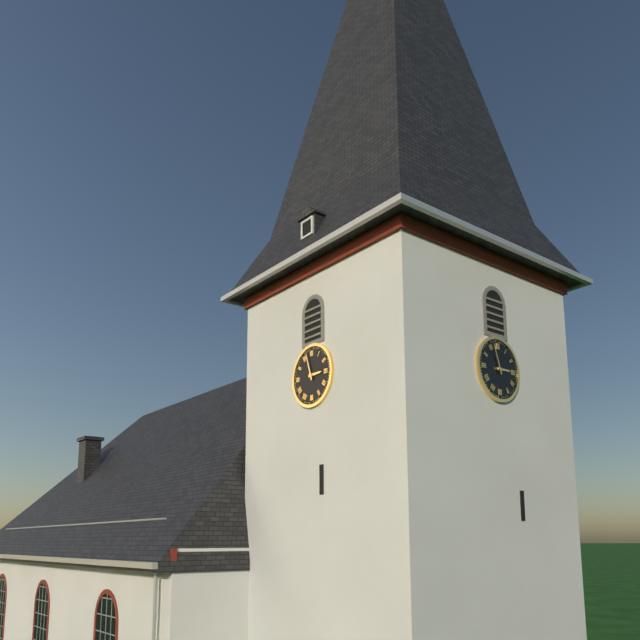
h=2 m=57
